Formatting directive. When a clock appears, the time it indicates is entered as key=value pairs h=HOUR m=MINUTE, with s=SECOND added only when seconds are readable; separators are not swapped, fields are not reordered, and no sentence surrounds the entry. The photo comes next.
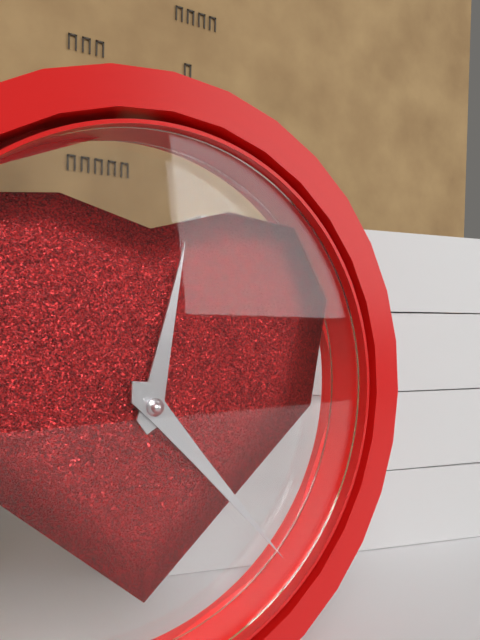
h=12 m=23
